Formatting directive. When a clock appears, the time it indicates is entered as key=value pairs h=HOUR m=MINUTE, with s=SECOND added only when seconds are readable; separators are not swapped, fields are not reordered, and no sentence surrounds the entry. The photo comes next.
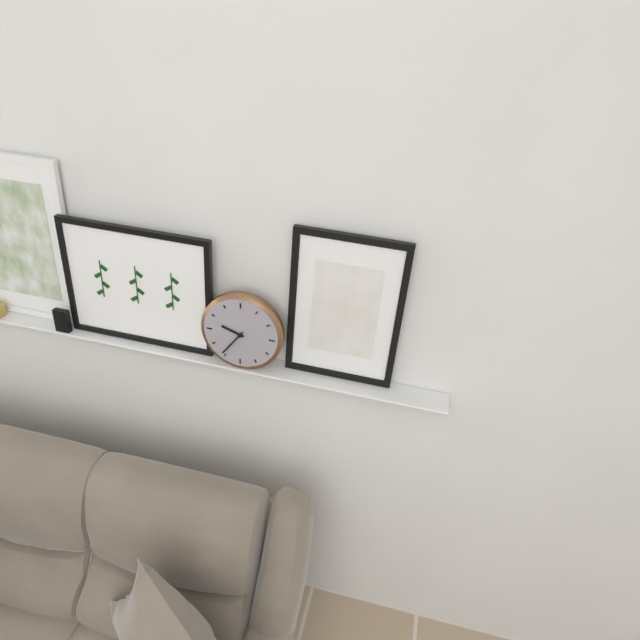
h=9 m=36
